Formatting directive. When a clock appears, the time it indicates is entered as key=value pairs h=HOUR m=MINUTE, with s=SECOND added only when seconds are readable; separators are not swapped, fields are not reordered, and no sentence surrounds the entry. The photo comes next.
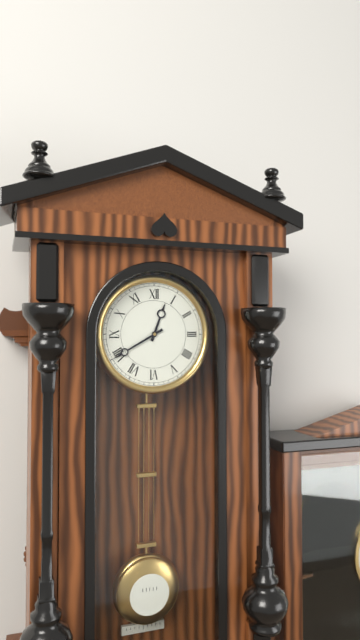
h=12 m=40
